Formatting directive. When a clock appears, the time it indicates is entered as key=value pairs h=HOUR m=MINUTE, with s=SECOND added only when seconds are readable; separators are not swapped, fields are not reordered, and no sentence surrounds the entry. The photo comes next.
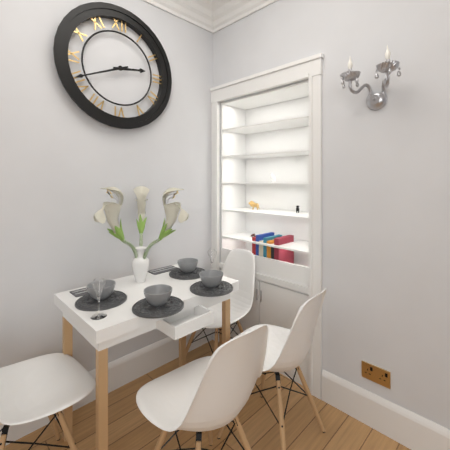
h=2 m=41
